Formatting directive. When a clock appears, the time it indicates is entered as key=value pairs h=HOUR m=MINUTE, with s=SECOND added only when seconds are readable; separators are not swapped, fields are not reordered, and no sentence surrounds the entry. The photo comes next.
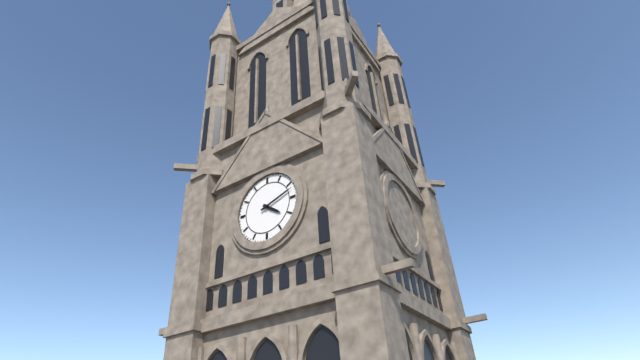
h=4 m=12
